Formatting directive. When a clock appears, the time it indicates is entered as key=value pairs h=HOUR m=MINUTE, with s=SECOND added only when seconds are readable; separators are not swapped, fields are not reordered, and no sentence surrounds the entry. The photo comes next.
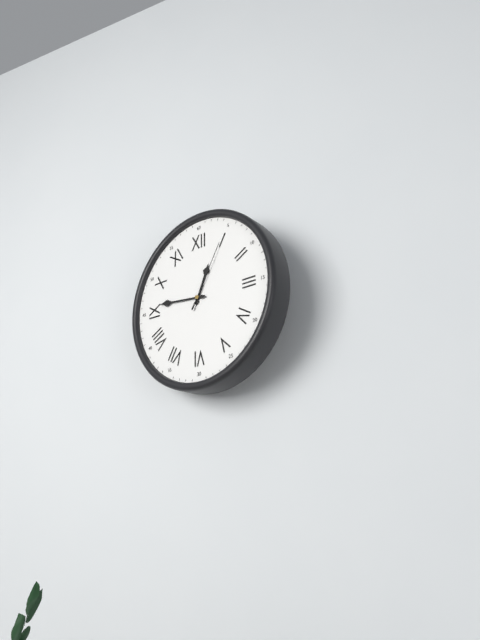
h=12 m=46 s=5
